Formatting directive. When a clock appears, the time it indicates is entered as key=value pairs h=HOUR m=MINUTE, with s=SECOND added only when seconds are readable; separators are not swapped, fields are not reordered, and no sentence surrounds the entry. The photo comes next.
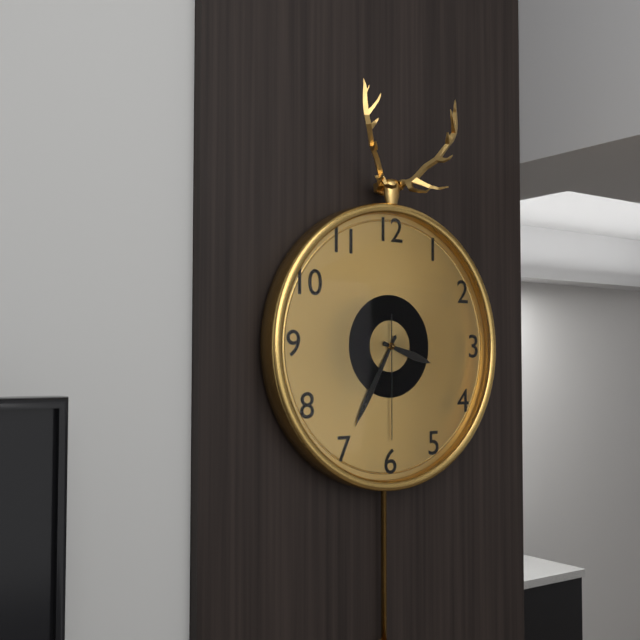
h=3 m=35 s=30
